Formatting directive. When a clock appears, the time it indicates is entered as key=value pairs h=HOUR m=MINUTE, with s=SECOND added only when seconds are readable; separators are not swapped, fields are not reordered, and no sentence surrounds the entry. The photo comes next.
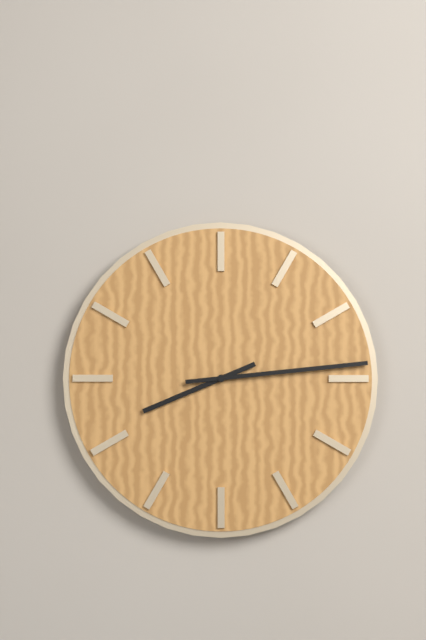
h=8 m=14
